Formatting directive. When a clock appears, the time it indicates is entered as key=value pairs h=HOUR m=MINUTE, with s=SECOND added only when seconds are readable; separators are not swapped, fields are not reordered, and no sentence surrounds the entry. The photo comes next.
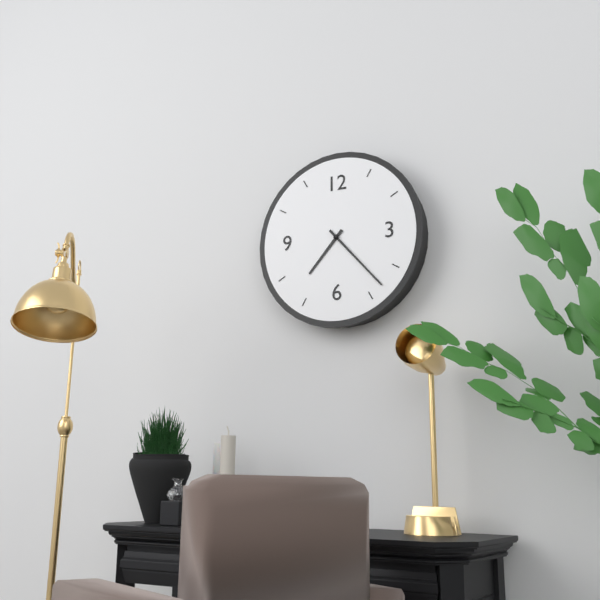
h=7 m=23
